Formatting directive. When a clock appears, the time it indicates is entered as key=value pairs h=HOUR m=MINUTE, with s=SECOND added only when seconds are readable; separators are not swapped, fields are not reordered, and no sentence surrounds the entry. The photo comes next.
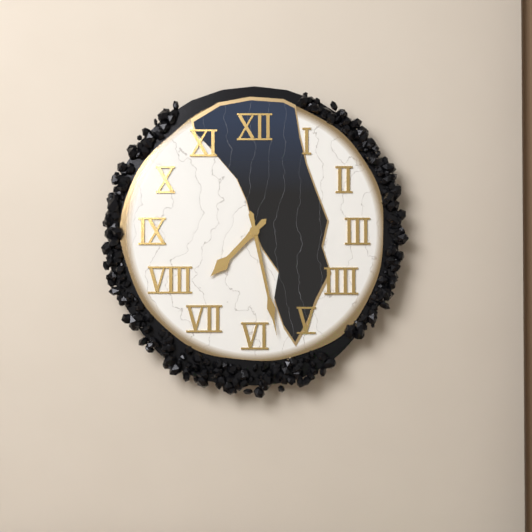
h=7 m=28
